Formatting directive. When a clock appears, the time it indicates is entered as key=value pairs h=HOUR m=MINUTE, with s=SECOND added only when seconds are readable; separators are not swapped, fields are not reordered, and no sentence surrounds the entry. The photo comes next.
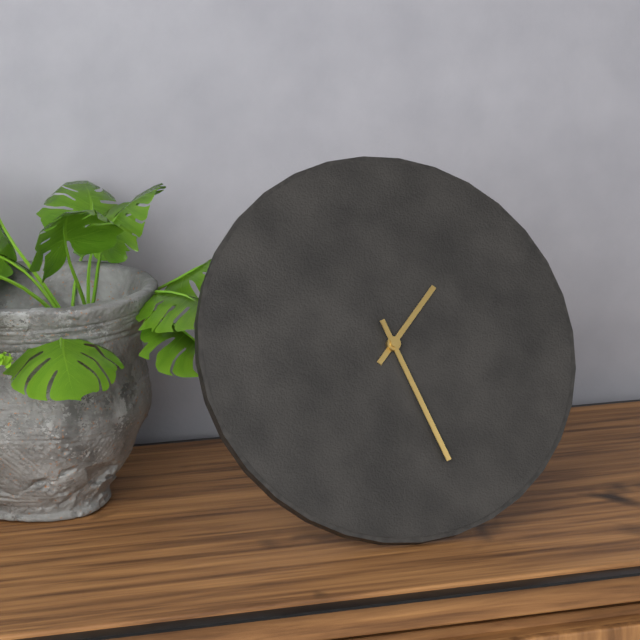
h=1 m=27
